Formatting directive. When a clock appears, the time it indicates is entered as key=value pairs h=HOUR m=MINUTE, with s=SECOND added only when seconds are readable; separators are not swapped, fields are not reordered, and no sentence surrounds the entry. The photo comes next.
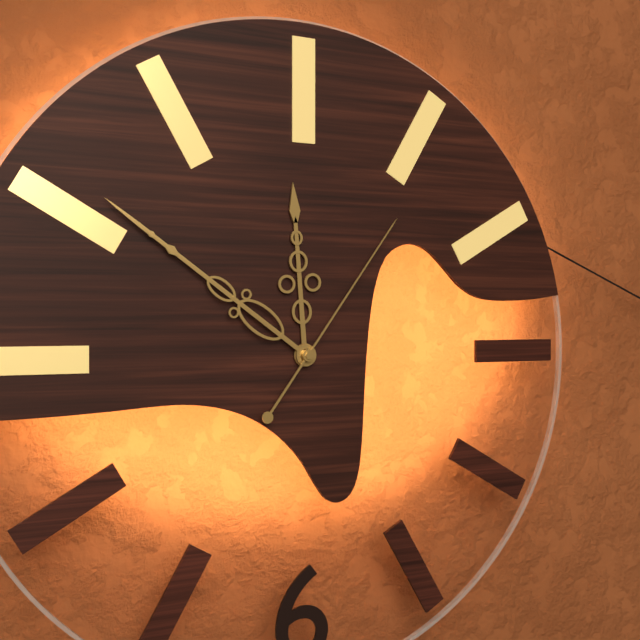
h=11 m=51 s=6
